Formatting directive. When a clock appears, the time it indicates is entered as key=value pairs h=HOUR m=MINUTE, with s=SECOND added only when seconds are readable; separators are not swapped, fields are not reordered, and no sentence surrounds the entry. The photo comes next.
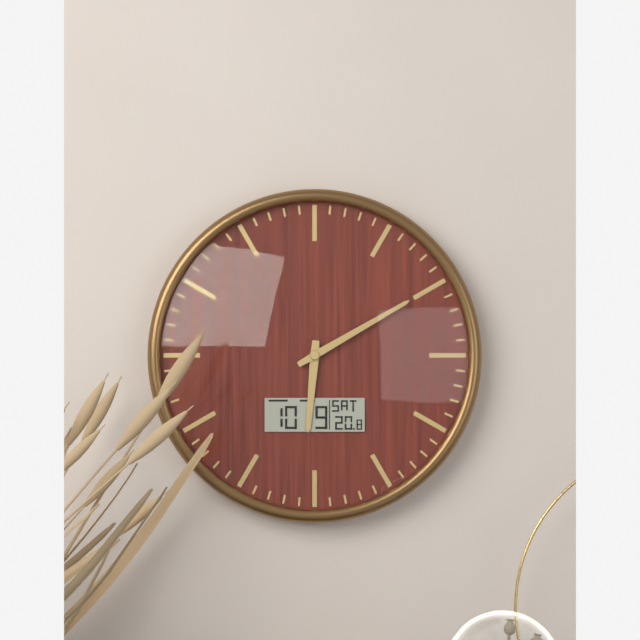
h=6 m=10
